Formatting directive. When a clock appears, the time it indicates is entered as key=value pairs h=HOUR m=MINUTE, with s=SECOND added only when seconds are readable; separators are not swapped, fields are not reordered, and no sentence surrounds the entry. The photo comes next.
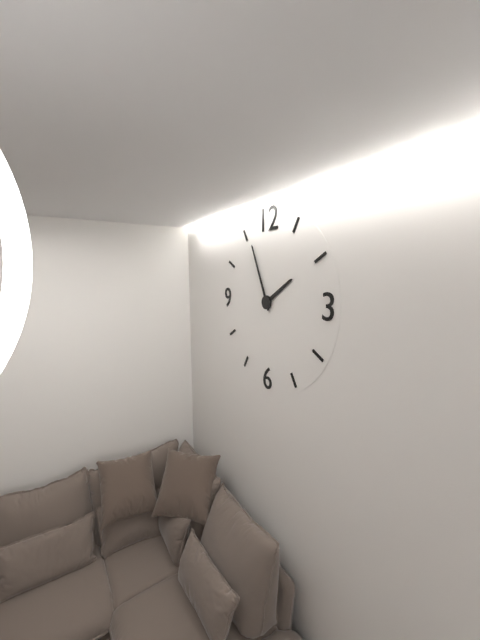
h=1 m=56
